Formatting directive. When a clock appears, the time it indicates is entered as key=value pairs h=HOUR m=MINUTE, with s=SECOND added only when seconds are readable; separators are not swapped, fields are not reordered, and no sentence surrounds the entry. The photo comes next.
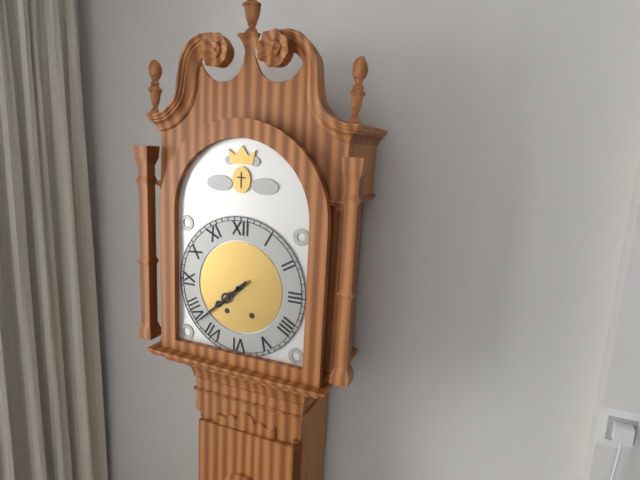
h=7 m=38
